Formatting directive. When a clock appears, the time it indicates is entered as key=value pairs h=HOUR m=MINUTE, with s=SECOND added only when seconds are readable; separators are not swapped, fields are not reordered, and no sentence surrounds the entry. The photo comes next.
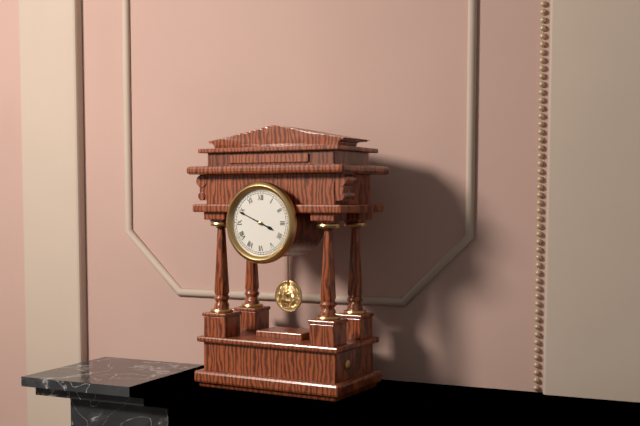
h=3 m=49
